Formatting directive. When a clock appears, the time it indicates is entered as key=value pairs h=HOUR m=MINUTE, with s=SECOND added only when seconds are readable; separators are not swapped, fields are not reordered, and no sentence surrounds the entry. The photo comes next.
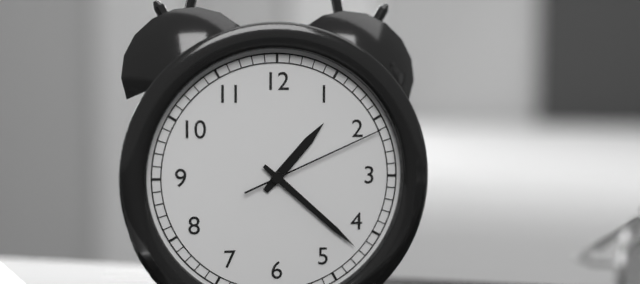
h=1 m=22 s=11
